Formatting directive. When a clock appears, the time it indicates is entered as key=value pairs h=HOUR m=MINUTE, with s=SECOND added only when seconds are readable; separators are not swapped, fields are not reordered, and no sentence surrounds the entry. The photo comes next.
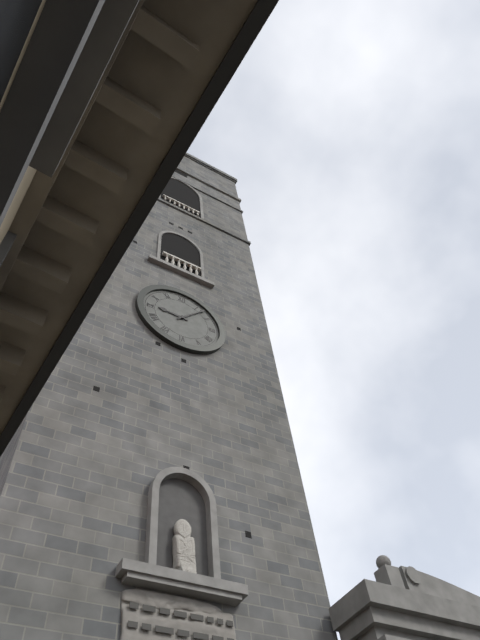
h=9 m=7
